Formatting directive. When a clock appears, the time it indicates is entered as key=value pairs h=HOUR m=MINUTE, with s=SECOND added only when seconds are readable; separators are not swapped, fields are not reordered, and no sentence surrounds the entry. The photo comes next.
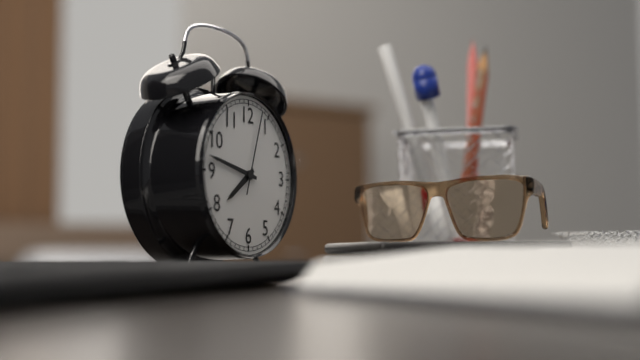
h=7 m=47 s=3
